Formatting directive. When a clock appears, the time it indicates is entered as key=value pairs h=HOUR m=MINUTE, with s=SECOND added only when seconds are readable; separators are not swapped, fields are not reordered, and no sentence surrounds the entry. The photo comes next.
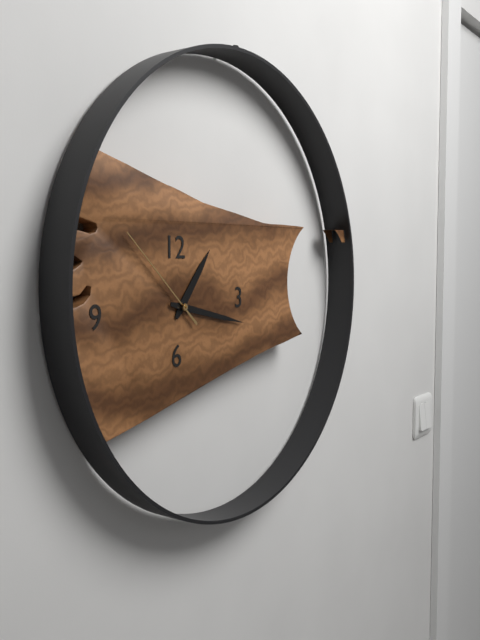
h=1 m=17 s=52
